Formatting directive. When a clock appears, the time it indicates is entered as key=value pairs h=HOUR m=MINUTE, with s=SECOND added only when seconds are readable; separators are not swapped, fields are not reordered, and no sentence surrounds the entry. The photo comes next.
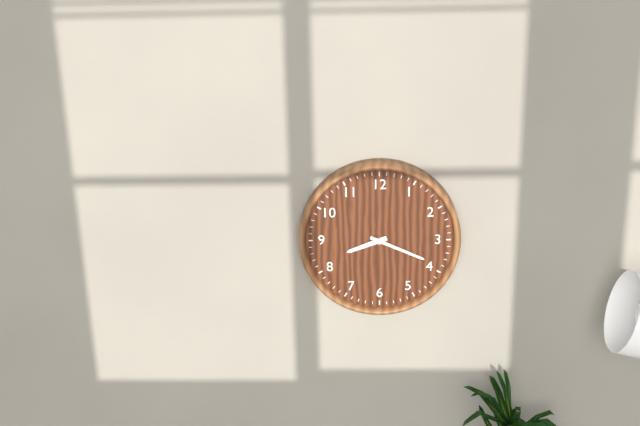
h=8 m=19
